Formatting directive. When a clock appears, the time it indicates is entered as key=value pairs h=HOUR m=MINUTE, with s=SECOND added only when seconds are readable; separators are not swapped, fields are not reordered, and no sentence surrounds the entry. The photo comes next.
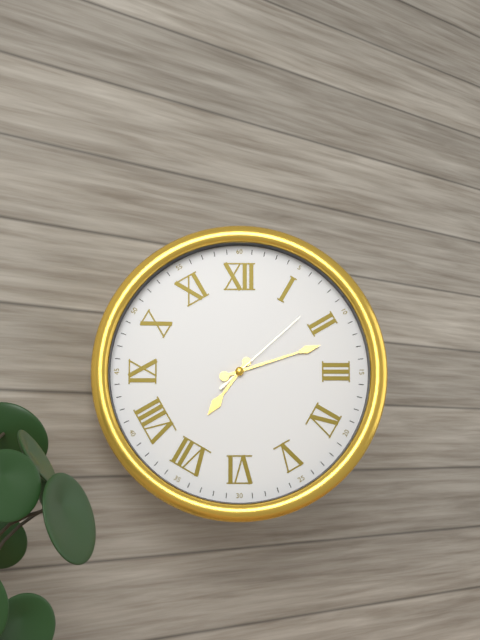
h=7 m=12 s=8
